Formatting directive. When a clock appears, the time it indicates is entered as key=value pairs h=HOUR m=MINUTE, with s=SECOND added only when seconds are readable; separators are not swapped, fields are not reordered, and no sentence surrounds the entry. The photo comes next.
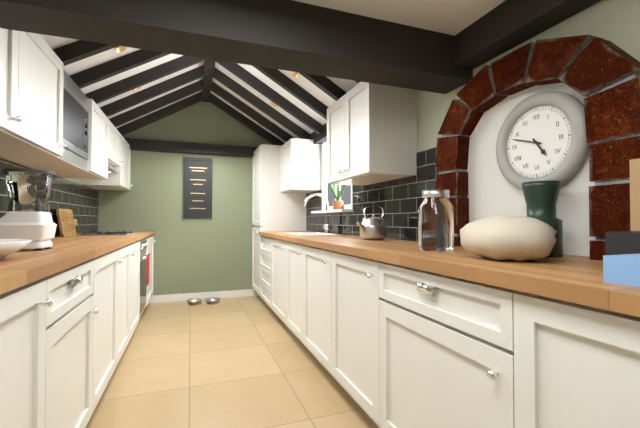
h=4 m=48
